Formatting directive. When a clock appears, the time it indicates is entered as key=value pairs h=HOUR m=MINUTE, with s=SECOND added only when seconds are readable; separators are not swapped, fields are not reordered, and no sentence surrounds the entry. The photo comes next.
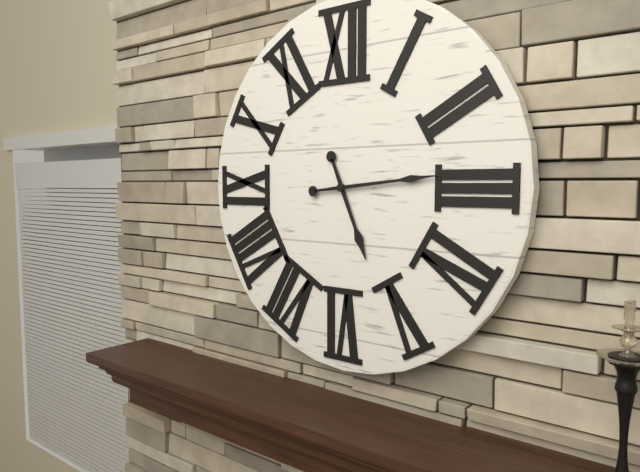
h=5 m=14
